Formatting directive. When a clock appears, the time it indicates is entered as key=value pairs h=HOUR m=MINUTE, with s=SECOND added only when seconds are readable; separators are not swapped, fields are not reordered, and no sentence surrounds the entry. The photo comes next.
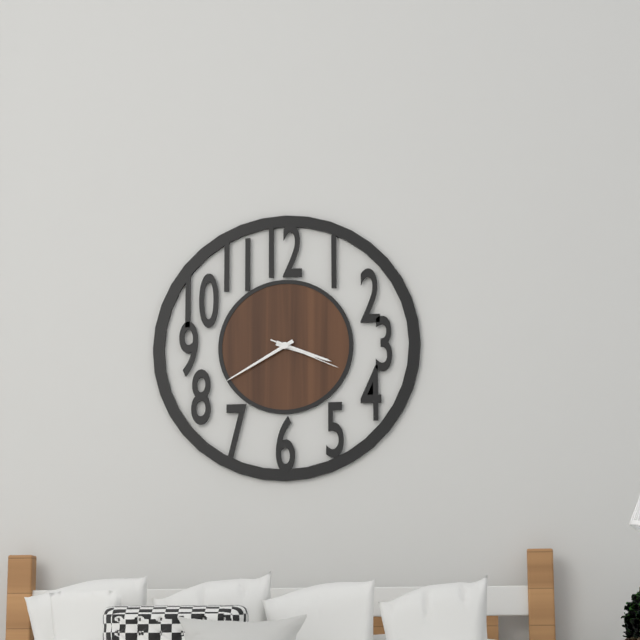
h=3 m=40 s=19
